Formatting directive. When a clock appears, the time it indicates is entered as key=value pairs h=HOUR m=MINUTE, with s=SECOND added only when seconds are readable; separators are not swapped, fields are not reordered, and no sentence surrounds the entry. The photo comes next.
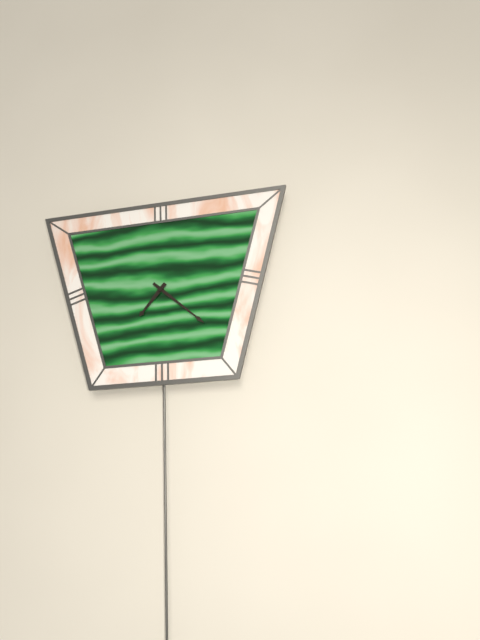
h=7 m=22
